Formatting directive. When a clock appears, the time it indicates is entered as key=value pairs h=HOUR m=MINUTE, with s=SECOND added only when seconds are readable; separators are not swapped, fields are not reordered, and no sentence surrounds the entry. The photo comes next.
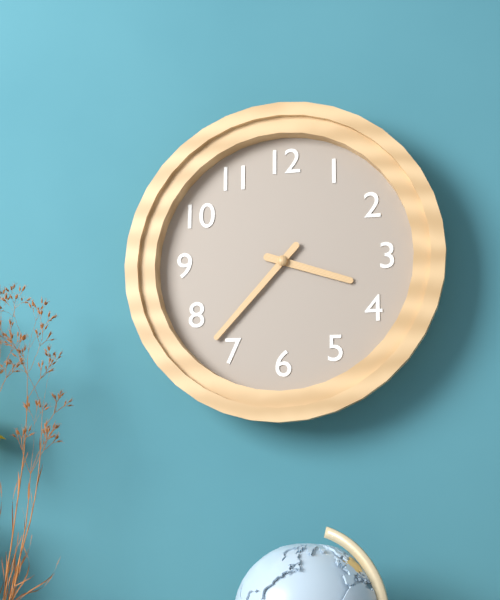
h=3 m=37
